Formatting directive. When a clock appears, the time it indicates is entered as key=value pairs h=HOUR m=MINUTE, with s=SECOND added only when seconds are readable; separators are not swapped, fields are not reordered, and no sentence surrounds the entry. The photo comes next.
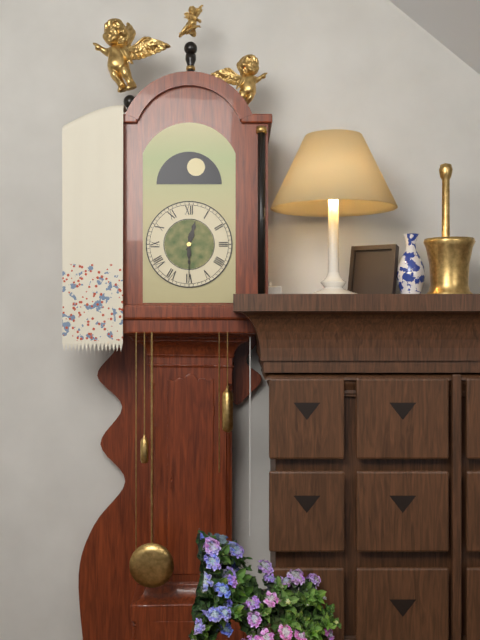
h=12 m=30
